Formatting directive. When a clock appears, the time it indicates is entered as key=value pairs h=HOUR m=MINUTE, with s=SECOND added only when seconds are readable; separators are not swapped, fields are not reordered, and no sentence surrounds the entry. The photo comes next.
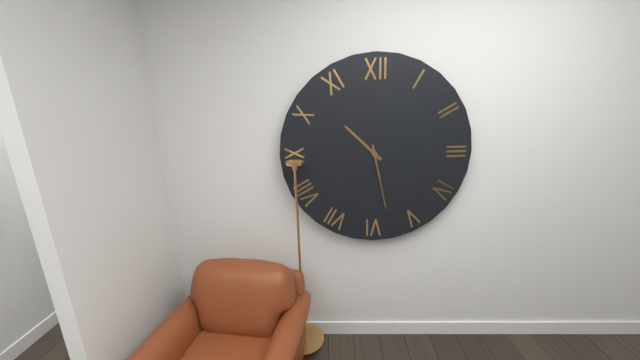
h=10 m=28
